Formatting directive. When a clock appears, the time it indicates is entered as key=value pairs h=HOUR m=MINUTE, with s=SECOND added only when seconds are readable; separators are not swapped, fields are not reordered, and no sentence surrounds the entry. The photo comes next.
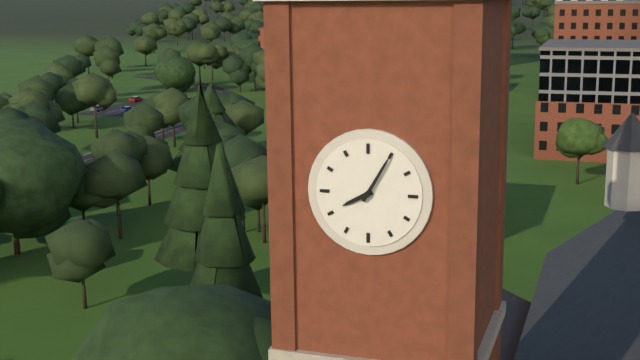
h=8 m=5
